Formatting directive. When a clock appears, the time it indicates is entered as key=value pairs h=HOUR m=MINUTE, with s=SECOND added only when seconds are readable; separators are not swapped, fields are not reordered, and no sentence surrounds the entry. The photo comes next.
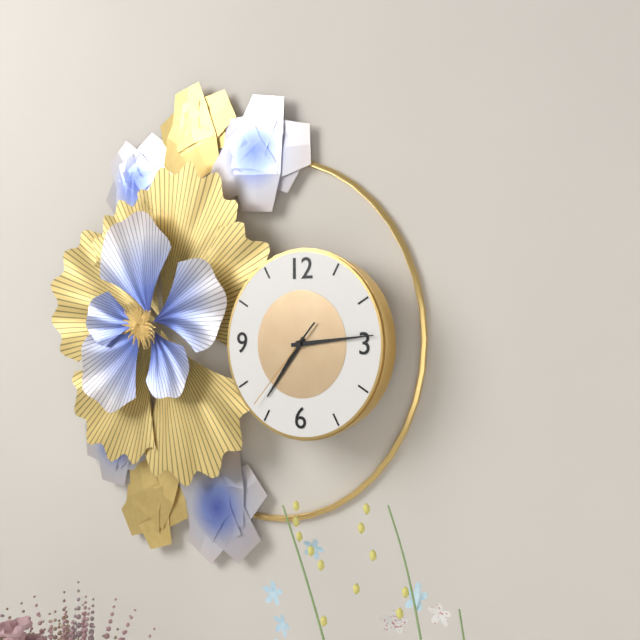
h=7 m=14 s=37
